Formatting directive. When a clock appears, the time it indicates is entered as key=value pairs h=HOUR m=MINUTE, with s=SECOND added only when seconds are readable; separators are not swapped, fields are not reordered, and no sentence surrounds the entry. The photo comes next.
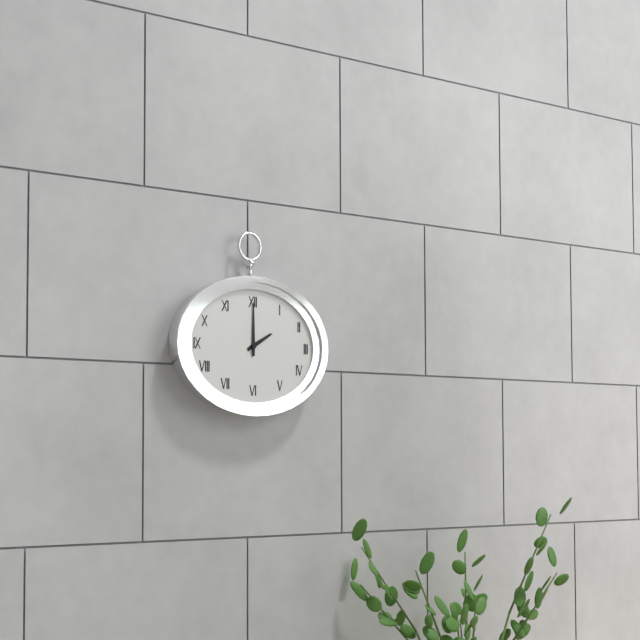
h=2 m=0
